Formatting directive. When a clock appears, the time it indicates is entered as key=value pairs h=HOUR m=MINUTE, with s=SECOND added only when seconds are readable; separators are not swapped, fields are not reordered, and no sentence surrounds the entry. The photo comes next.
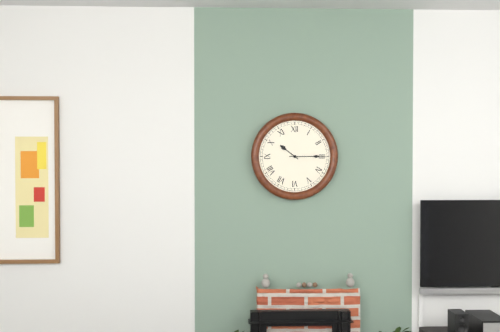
h=10 m=15
